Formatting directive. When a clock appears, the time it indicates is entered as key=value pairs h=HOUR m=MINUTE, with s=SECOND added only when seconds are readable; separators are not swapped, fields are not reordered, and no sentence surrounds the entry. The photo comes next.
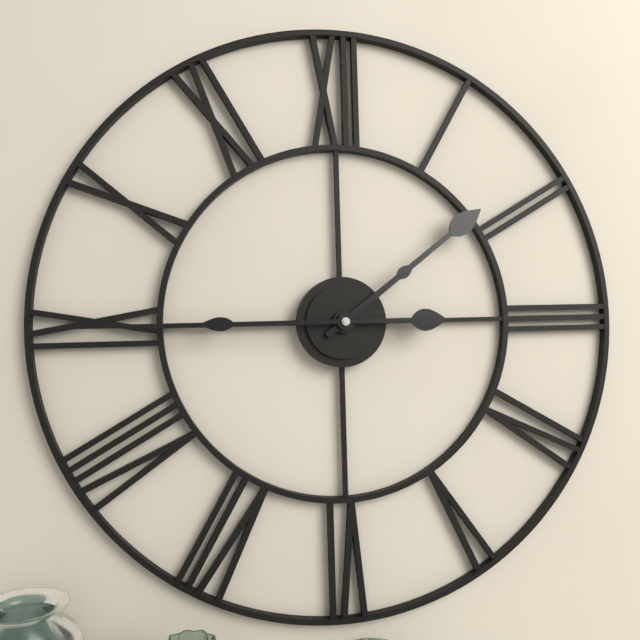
h=1 m=45
